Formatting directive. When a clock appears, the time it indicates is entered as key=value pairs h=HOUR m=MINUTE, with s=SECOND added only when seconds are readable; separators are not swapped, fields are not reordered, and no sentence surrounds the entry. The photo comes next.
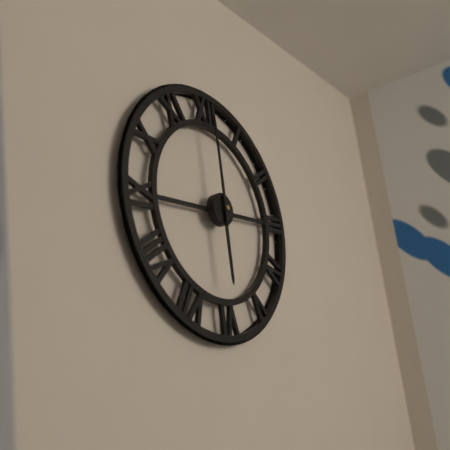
h=6 m=0
